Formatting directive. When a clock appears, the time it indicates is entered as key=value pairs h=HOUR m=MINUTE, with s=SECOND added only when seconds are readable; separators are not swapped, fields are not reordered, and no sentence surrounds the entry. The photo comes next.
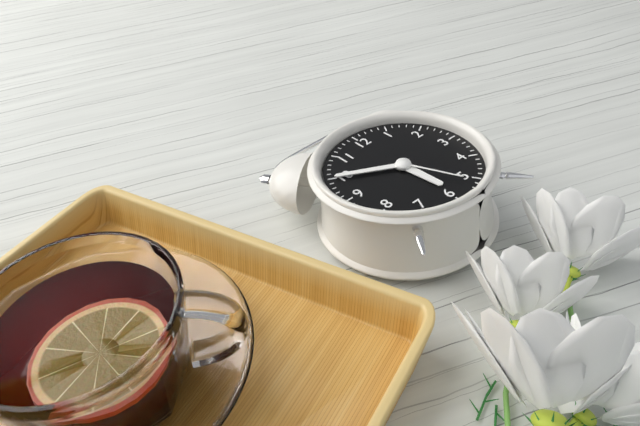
h=5 m=50 s=26
